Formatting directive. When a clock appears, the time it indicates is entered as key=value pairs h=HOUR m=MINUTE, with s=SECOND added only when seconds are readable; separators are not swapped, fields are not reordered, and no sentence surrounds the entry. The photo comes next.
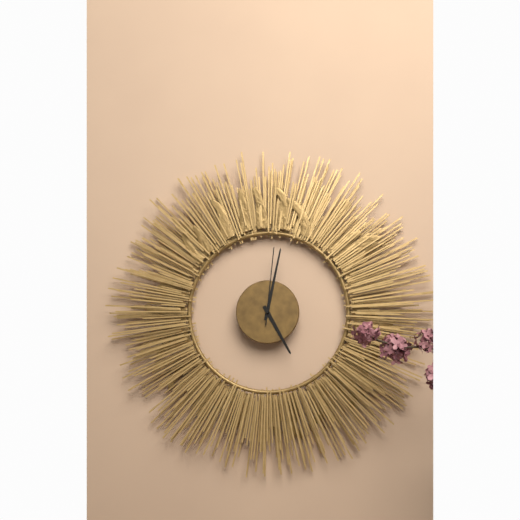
h=5 m=2 s=1
